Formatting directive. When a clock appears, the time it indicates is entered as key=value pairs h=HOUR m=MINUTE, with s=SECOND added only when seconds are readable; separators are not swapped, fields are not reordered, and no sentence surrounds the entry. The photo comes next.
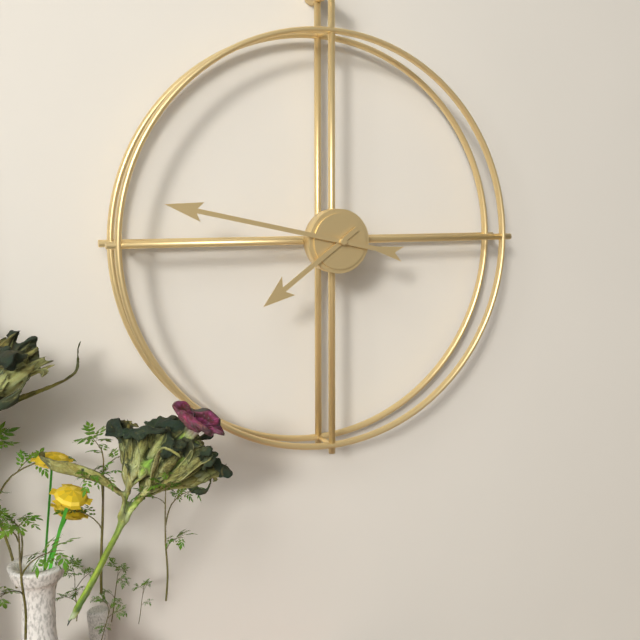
h=7 m=47
